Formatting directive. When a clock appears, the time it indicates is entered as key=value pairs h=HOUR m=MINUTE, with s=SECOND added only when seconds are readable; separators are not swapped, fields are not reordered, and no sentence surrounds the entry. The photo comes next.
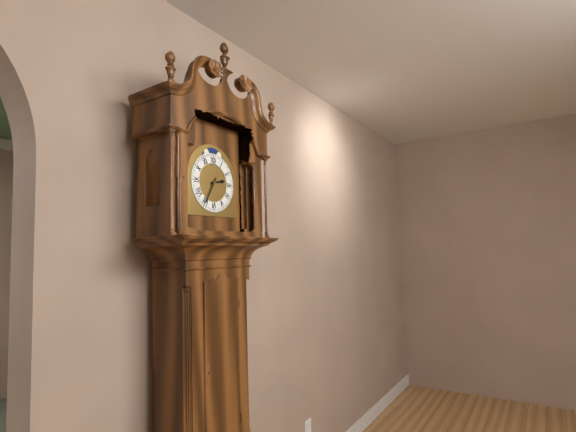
h=2 m=35
